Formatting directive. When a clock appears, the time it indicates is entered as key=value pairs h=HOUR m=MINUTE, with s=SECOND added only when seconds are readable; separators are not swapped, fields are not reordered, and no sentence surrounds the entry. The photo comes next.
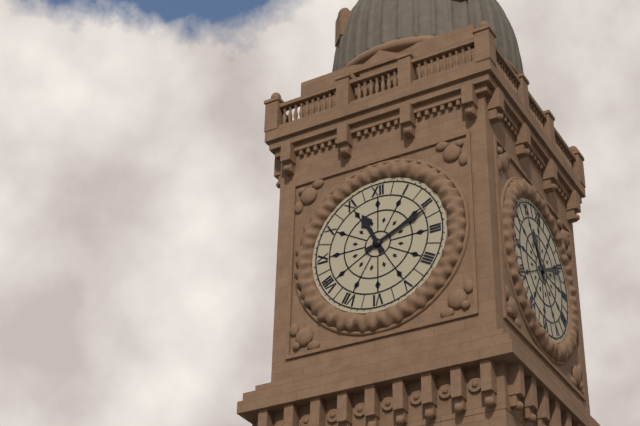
h=11 m=11
